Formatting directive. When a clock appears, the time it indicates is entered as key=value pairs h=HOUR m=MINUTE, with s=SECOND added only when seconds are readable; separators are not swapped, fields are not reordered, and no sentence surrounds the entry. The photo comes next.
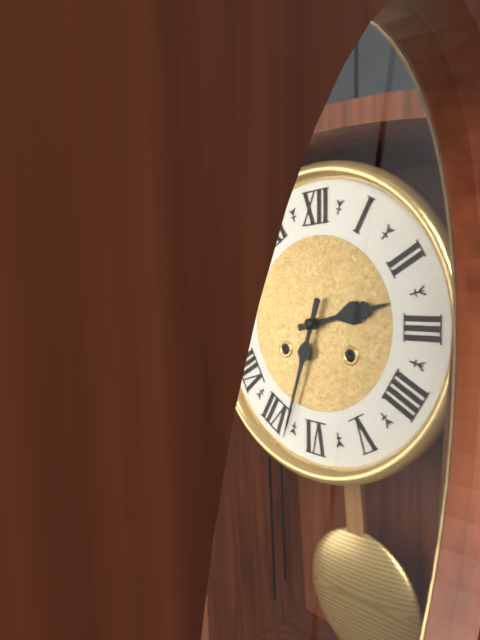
h=2 m=33
